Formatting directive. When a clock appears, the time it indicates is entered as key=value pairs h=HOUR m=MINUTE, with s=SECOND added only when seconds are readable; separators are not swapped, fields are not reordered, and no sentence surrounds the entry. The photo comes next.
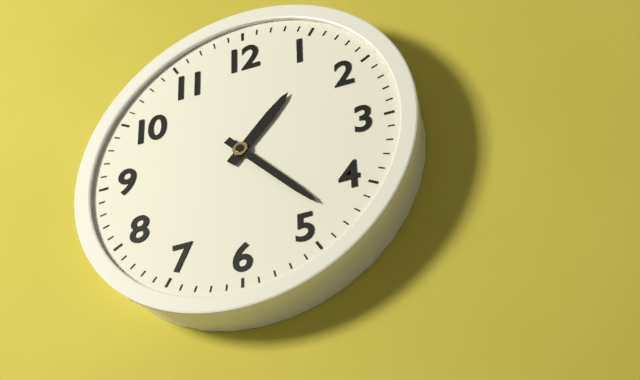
h=1 m=23
